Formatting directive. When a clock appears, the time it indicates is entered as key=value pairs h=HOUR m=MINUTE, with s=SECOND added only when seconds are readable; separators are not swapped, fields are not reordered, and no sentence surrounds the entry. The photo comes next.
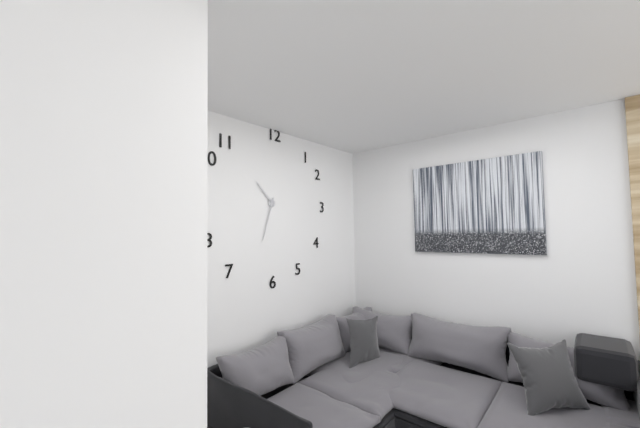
h=10 m=33
